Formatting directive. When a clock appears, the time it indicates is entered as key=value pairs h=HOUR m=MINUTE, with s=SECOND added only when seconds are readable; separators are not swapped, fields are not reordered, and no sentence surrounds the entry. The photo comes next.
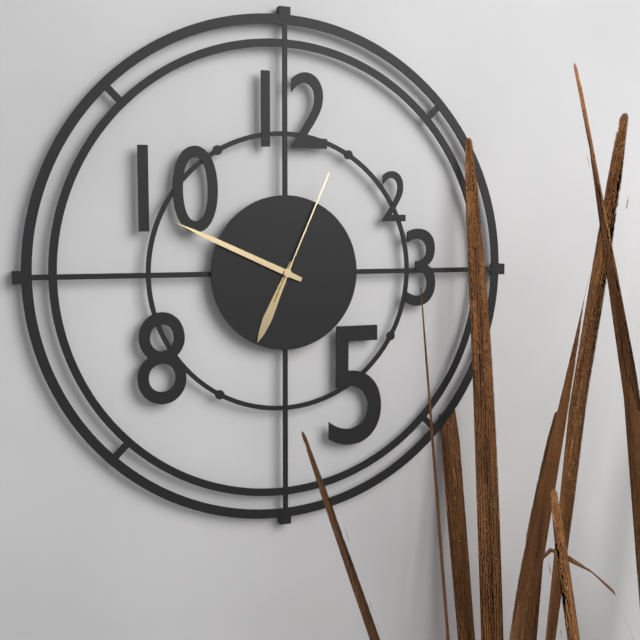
h=6 m=49 s=4
